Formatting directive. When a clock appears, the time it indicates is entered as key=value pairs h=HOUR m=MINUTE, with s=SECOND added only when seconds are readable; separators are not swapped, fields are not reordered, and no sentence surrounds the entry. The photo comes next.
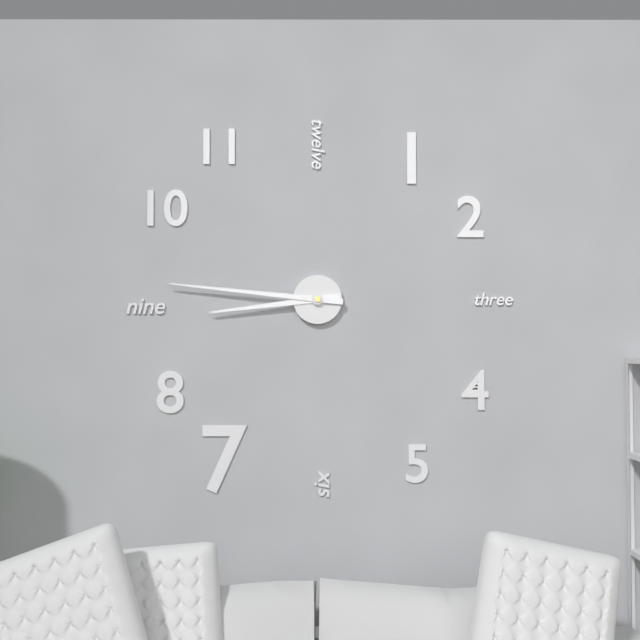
h=8 m=46
